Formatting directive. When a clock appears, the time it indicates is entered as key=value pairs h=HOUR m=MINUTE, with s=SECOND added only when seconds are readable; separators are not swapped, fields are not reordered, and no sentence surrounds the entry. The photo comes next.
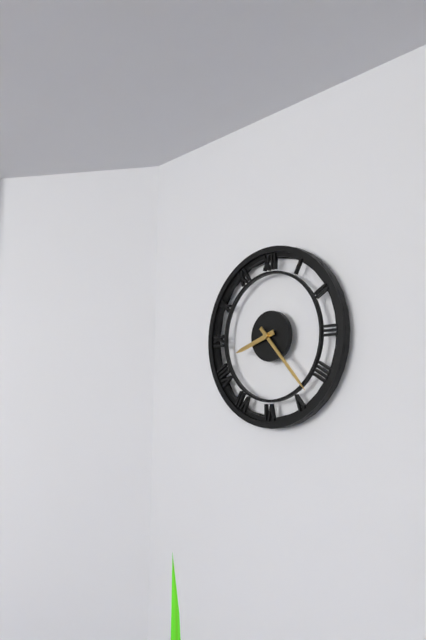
h=8 m=23
